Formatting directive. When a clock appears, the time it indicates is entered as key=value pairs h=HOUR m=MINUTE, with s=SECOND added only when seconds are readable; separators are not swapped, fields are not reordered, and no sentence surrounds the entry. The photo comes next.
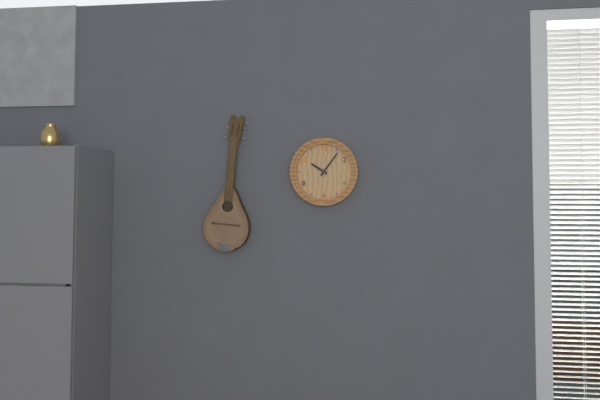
h=10 m=6
